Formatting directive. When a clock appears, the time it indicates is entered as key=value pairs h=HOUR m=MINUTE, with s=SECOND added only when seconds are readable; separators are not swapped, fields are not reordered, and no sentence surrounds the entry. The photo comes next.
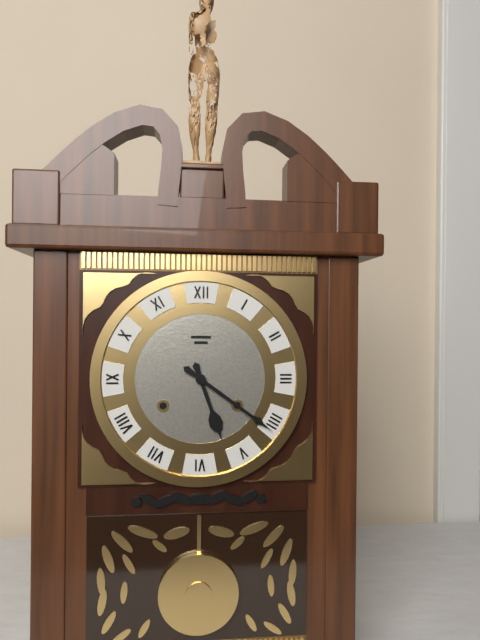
h=5 m=21
